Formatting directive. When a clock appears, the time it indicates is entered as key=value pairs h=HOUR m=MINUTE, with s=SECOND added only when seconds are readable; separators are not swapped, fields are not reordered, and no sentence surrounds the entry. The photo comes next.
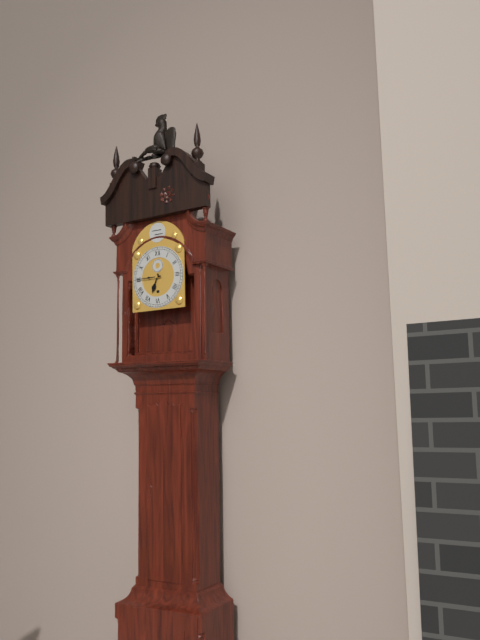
h=6 m=45
